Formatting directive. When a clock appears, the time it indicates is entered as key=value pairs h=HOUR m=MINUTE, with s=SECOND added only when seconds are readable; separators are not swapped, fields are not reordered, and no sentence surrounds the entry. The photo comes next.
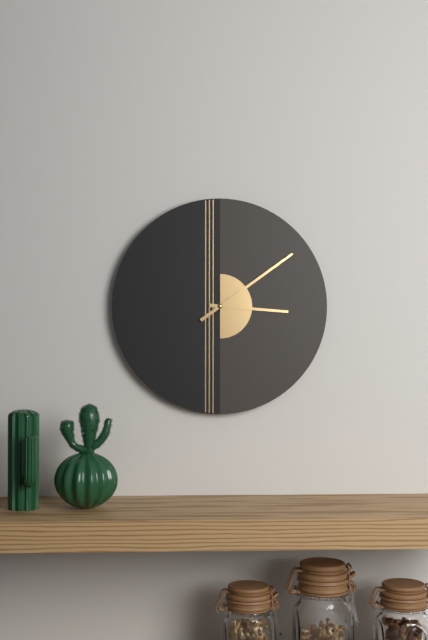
h=3 m=9
